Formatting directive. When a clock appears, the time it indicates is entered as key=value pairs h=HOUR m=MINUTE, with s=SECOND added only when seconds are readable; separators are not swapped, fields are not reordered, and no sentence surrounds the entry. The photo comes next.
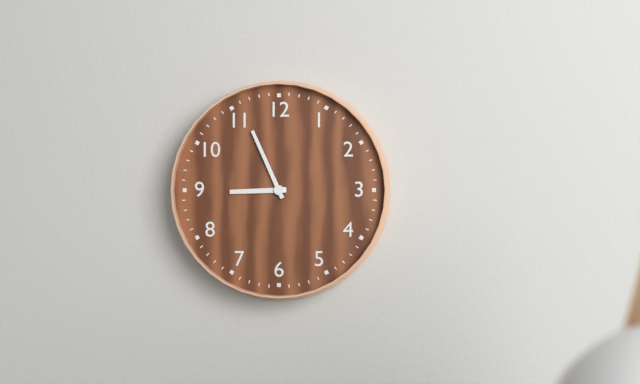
h=8 m=56
